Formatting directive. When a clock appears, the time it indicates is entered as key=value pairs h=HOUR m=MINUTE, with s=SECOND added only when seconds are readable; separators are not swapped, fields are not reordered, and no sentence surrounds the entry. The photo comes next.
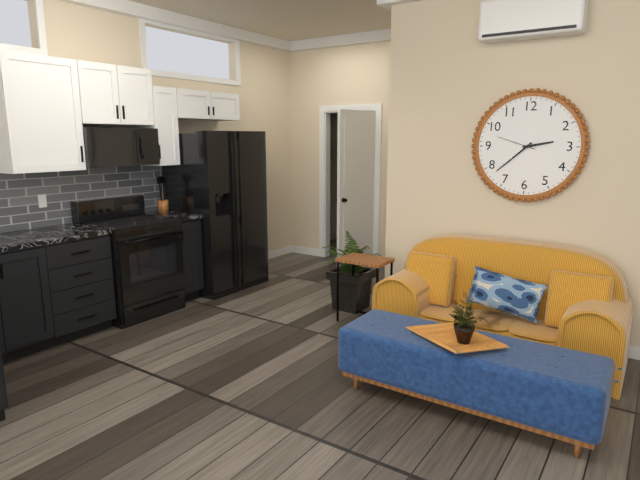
h=2 m=38
